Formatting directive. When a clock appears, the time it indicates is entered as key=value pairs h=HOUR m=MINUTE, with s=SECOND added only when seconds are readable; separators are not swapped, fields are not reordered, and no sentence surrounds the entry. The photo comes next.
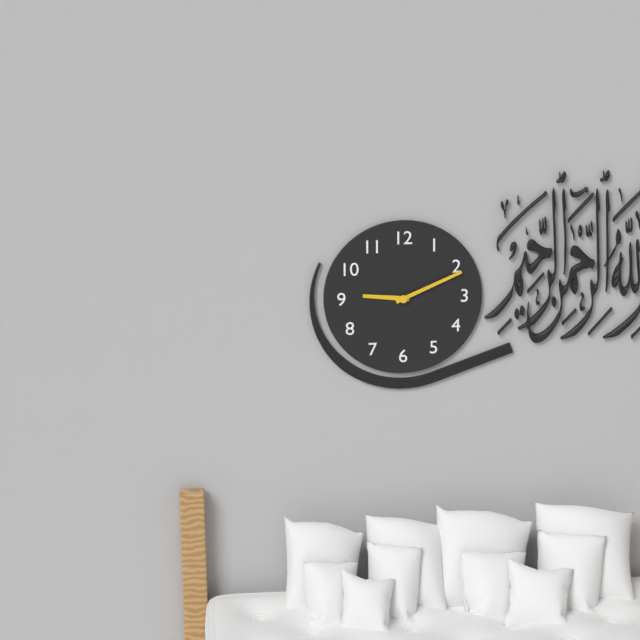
h=9 m=11
